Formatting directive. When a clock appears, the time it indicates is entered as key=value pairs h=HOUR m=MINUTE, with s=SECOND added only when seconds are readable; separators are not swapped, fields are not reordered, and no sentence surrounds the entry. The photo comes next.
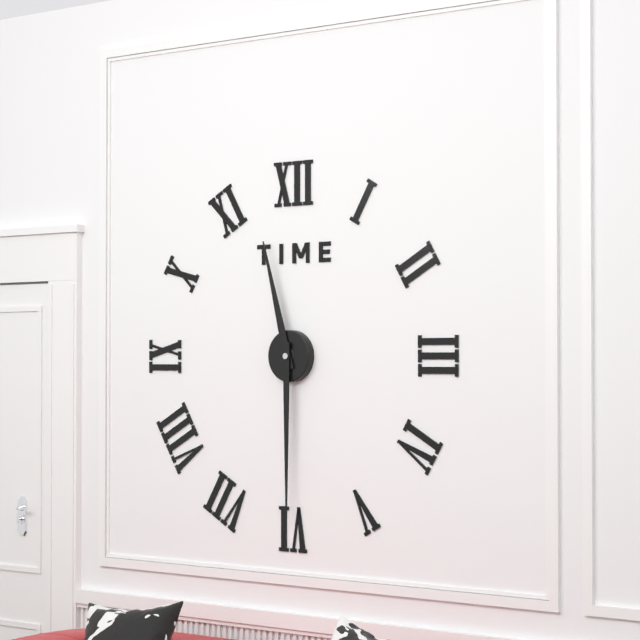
h=11 m=30
